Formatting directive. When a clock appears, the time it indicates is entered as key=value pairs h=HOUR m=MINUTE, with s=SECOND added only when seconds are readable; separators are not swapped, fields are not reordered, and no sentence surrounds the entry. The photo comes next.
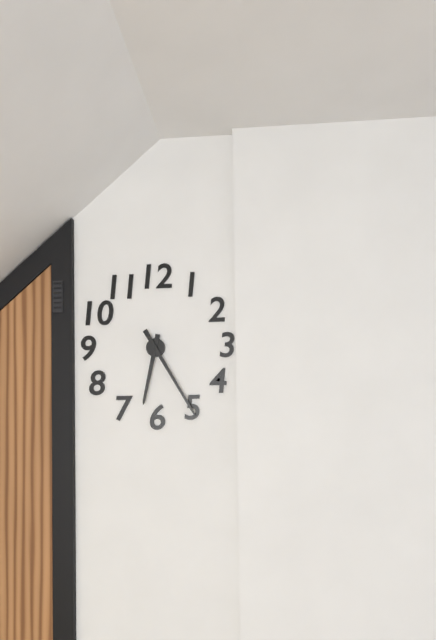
h=6 m=25
